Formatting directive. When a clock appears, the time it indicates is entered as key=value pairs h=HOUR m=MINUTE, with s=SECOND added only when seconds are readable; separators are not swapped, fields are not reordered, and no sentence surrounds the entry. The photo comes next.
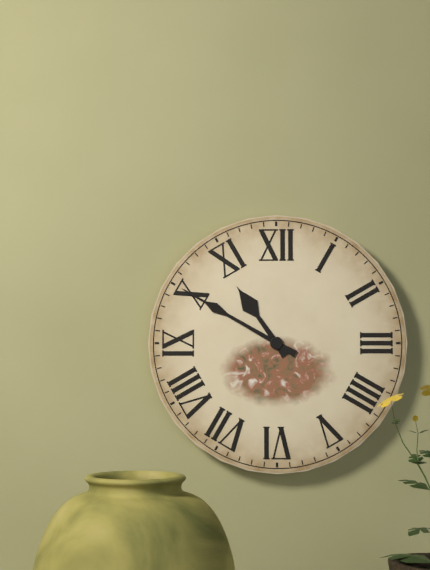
h=10 m=50
